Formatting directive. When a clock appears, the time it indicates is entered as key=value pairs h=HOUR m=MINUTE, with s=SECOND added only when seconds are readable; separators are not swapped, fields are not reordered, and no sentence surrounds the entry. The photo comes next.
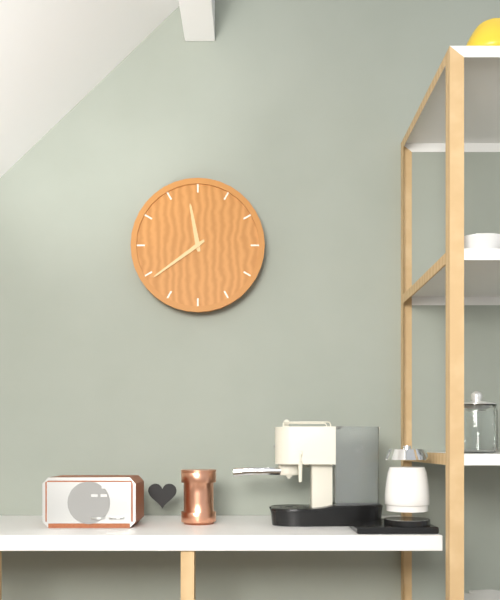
h=11 m=39
